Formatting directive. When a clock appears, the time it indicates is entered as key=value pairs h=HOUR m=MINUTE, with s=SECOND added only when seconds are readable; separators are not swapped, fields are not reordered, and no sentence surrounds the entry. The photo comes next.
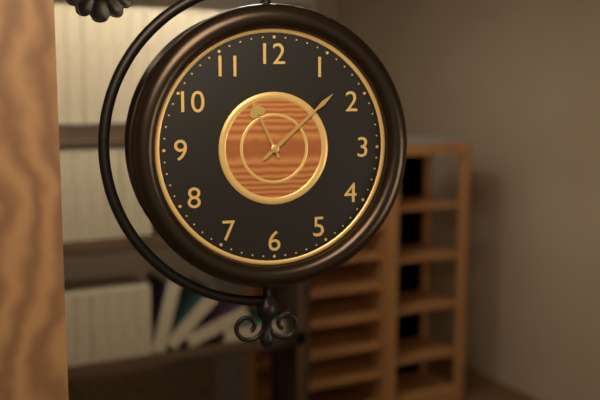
h=11 m=8
